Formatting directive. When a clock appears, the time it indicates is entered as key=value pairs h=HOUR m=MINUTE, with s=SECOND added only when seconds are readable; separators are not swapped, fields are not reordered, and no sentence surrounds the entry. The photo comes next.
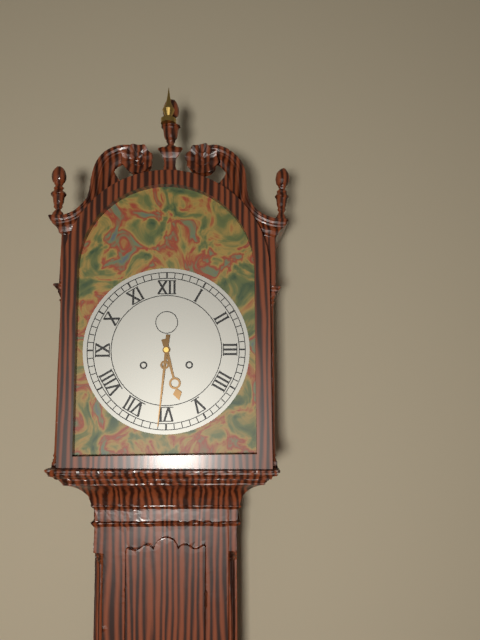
h=5 m=31
